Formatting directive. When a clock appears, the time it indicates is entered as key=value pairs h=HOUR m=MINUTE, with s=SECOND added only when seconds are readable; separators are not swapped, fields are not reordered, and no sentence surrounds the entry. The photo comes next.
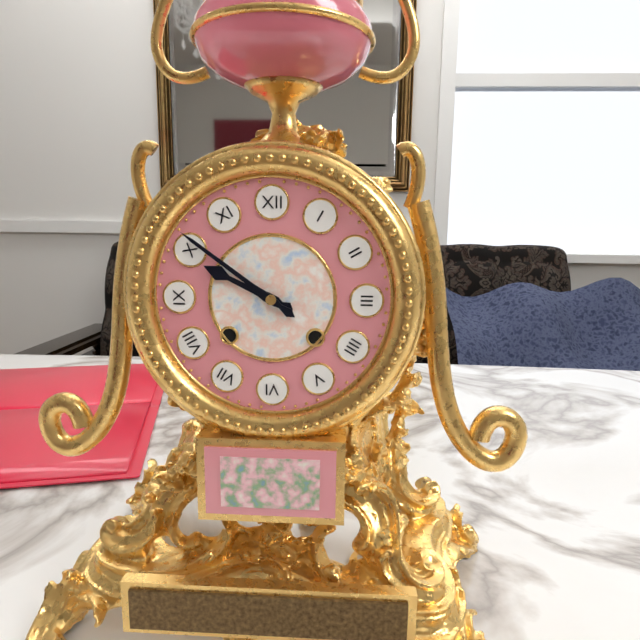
h=9 m=51
